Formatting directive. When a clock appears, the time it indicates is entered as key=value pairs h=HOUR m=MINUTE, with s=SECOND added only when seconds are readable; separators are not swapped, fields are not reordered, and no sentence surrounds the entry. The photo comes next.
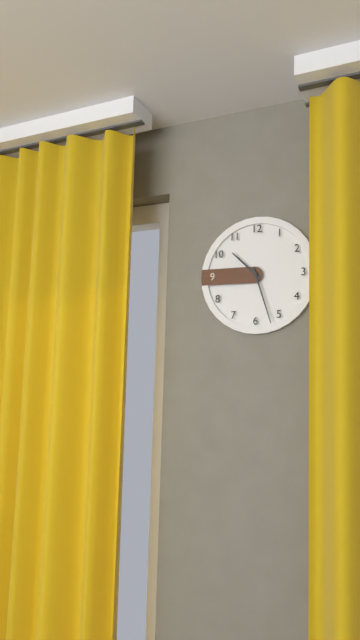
h=10 m=27
